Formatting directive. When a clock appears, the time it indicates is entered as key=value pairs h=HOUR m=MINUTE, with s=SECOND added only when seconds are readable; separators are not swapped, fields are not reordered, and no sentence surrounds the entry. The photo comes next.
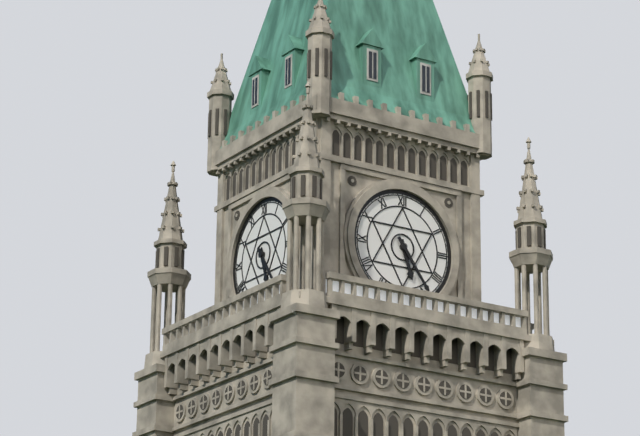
h=5 m=24
